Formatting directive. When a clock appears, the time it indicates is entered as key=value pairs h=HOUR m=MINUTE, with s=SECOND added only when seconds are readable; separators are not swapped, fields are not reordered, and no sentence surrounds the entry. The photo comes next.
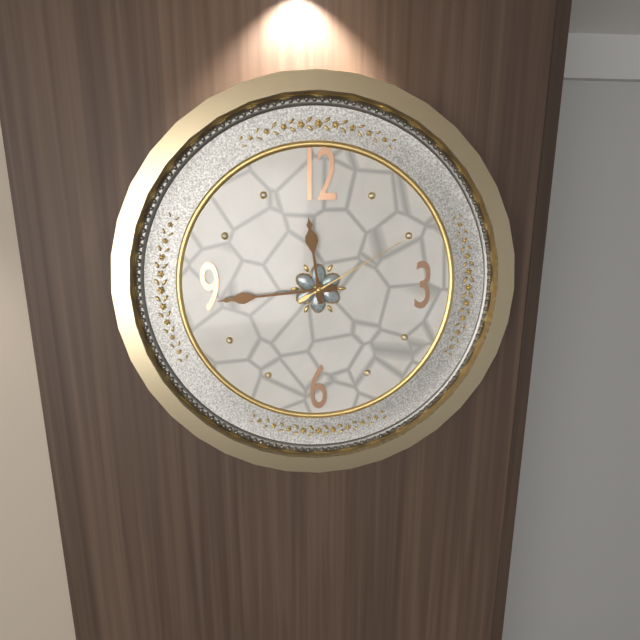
h=11 m=44 s=10
